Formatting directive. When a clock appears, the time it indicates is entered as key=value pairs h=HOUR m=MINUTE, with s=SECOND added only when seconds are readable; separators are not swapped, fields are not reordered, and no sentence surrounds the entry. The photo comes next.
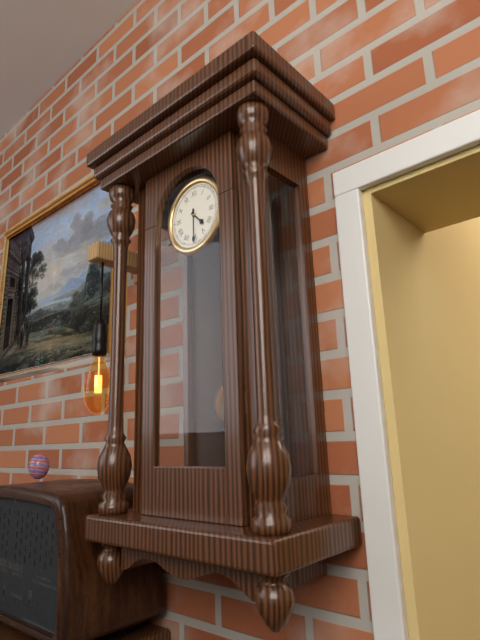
h=4 m=30
